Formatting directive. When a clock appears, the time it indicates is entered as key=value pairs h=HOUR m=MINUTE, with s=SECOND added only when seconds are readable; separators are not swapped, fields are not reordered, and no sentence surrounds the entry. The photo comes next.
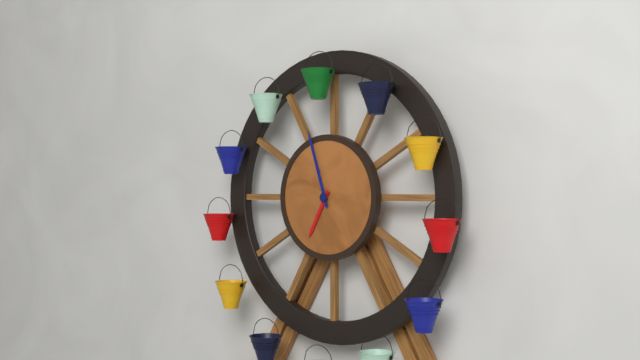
h=6 m=57
